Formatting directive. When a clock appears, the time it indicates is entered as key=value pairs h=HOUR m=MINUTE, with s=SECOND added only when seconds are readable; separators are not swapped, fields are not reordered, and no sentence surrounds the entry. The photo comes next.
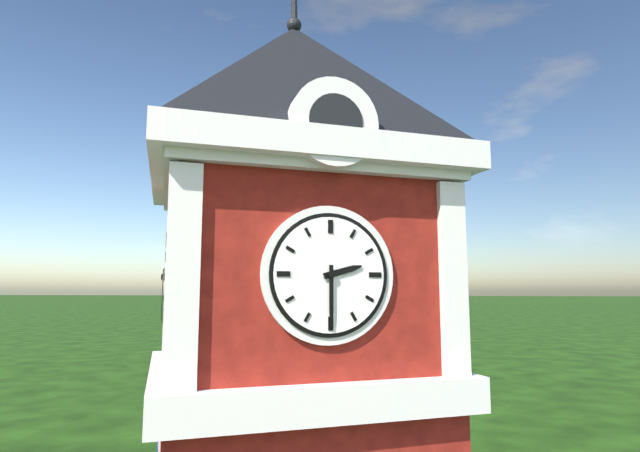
h=2 m=30
